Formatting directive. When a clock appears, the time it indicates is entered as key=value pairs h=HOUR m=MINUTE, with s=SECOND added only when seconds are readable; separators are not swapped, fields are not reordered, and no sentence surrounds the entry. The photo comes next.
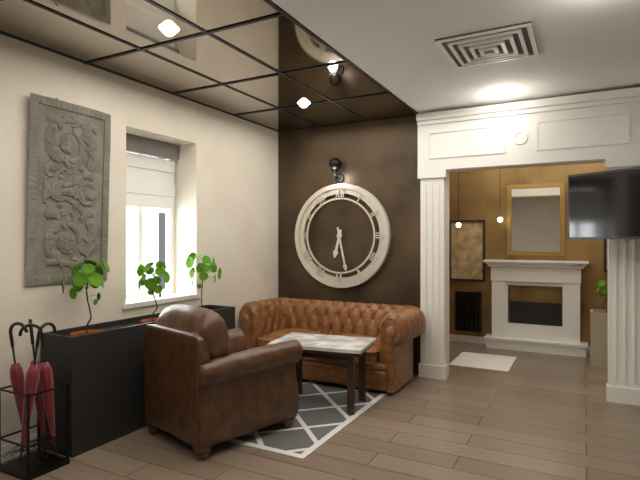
h=6 m=28
